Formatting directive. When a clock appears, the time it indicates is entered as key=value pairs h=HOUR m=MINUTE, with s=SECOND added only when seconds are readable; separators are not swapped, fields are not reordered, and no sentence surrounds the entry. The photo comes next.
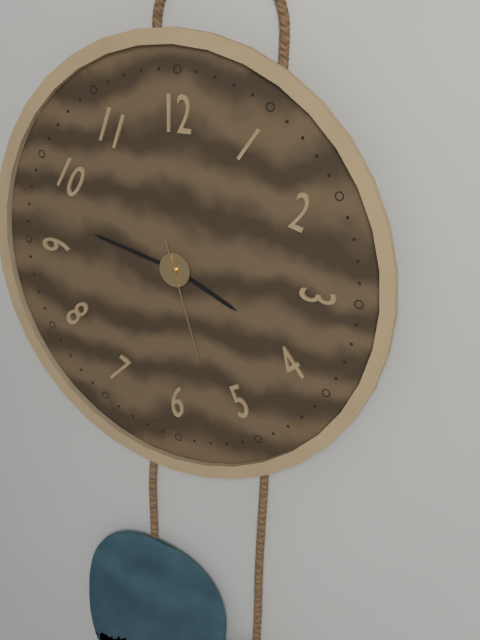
h=3 m=47 s=27
